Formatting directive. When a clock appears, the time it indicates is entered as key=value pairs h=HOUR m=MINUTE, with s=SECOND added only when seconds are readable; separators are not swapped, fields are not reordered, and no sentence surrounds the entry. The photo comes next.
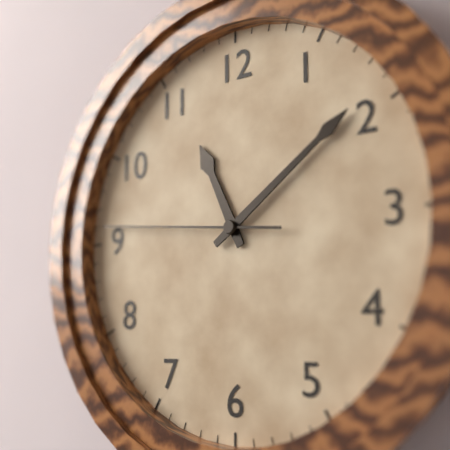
h=11 m=9 s=46
